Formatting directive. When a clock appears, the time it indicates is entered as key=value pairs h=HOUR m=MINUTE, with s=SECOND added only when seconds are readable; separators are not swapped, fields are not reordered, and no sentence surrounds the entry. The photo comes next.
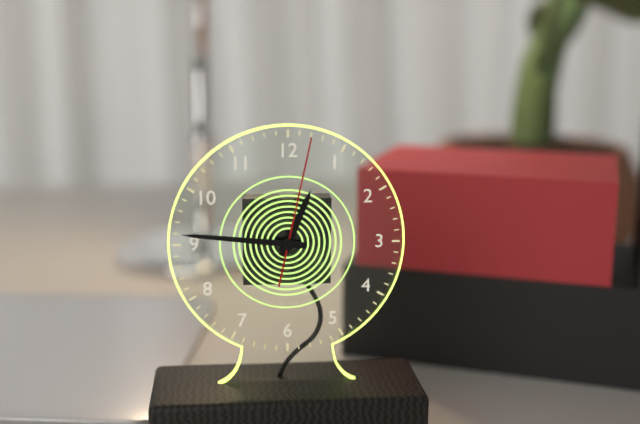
h=12 m=46 s=2
